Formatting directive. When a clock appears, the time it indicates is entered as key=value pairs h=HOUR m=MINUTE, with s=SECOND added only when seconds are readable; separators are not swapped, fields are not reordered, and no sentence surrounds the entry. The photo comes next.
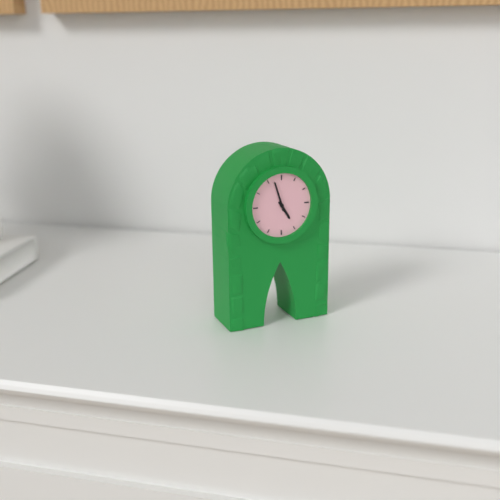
h=4 m=57
